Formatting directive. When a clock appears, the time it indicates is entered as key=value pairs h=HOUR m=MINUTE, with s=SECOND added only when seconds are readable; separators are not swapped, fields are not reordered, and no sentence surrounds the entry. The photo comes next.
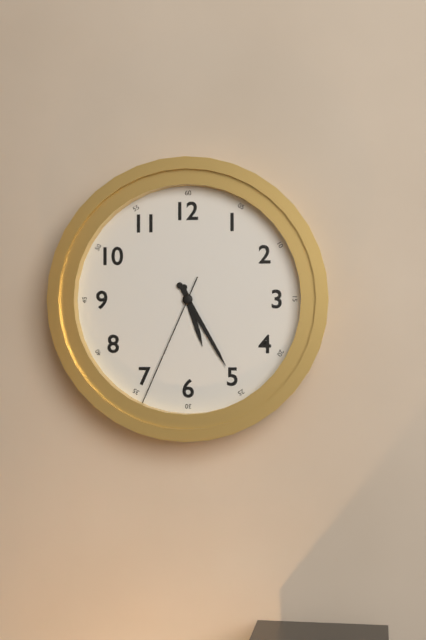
h=5 m=25 s=34
